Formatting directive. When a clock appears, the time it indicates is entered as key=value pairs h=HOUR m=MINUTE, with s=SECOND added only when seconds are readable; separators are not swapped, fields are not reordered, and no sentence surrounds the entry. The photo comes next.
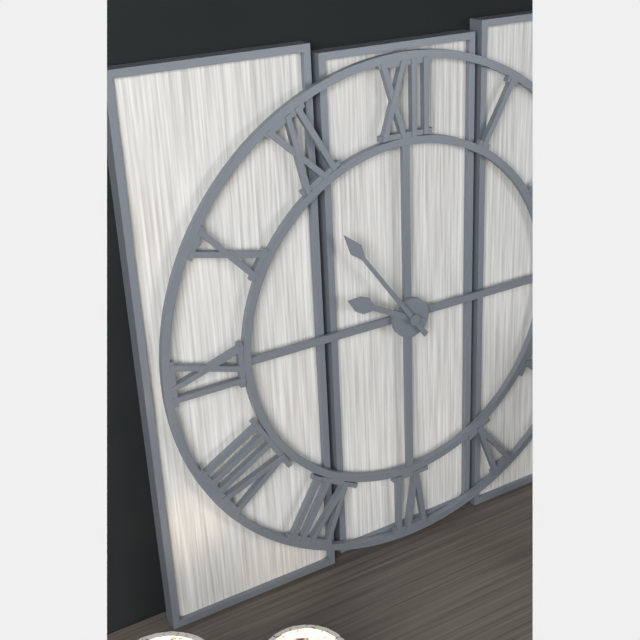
h=9 m=54
